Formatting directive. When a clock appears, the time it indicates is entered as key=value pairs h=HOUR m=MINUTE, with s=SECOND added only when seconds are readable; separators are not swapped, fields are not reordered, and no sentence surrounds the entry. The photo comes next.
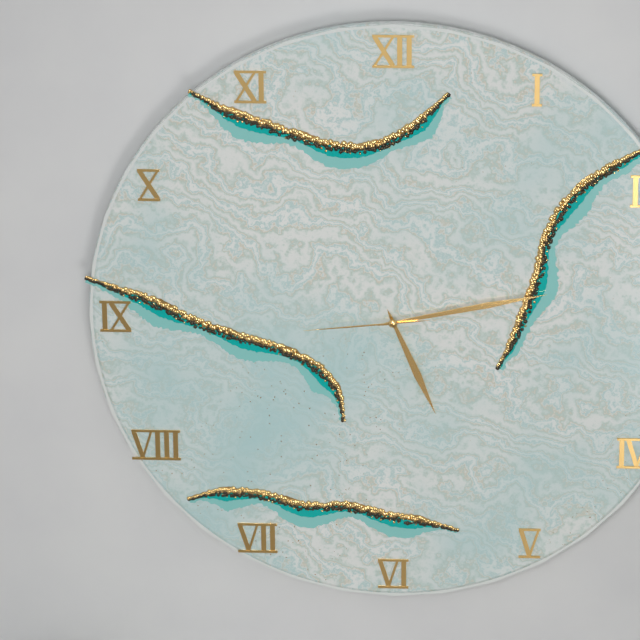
h=5 m=13 s=44
